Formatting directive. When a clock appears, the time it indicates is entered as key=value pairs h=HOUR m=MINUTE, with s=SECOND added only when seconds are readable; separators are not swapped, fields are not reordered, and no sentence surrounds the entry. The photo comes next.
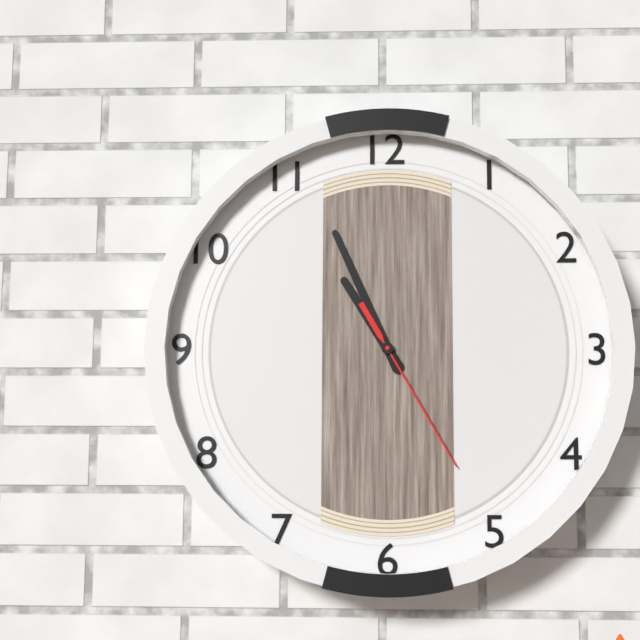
h=10 m=56 s=25
